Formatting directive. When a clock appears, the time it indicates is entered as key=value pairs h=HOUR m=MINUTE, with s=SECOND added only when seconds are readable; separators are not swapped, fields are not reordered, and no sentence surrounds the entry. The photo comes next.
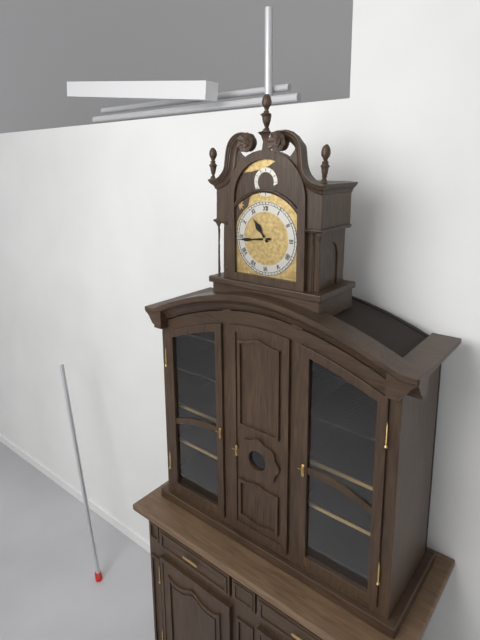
h=10 m=44
